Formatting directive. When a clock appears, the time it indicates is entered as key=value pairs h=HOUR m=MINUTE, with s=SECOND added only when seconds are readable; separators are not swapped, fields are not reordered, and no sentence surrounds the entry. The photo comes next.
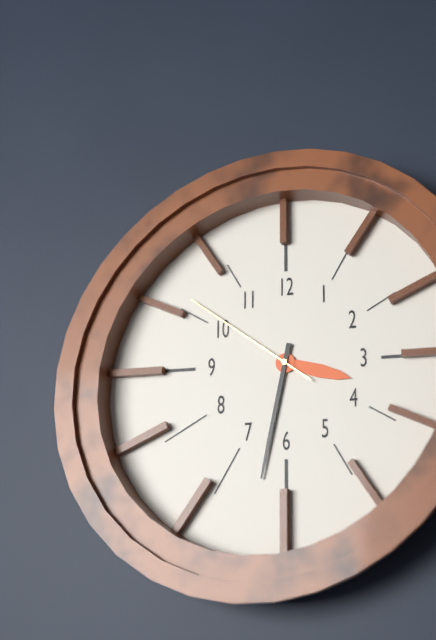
h=3 m=32 s=51
